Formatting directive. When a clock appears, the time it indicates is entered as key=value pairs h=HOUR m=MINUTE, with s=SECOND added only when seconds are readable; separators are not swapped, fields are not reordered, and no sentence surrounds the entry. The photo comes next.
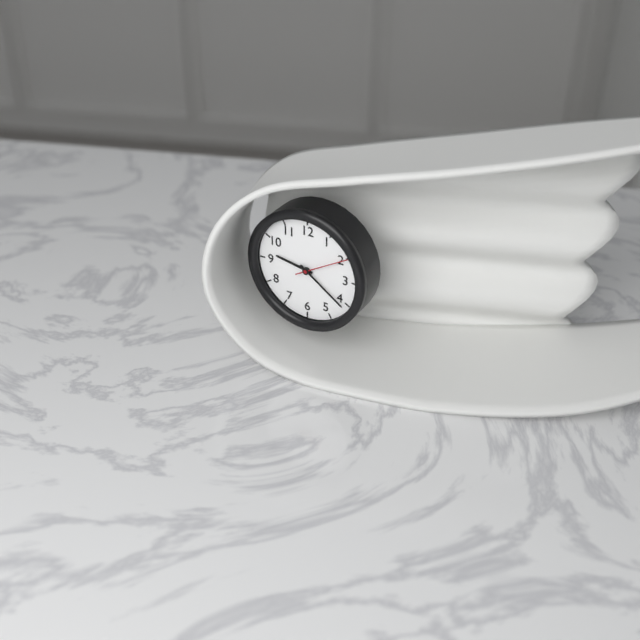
h=9 m=21 s=10
